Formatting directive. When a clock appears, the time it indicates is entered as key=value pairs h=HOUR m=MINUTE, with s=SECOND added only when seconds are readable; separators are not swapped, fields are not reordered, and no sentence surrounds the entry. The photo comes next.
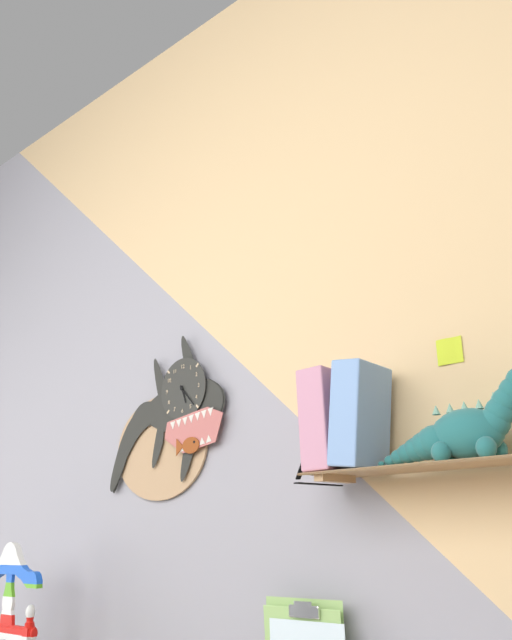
h=5 m=23
